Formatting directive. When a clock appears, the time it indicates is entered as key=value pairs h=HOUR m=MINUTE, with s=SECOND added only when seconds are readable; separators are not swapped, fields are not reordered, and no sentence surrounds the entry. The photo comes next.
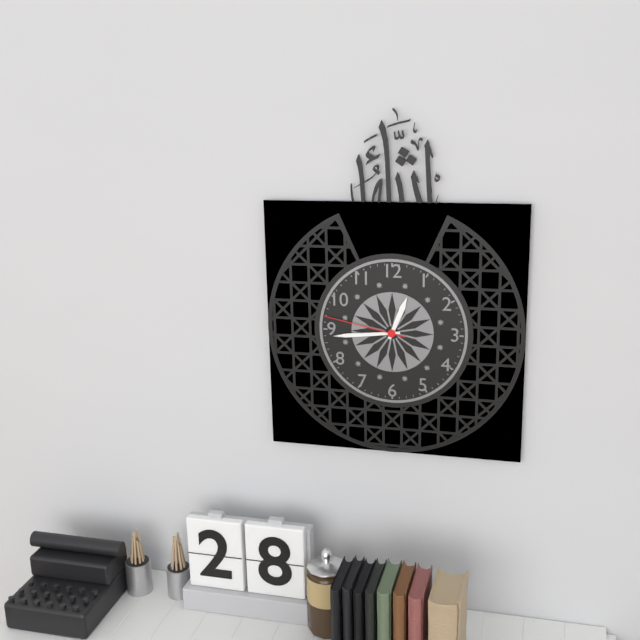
h=12 m=44 s=47
